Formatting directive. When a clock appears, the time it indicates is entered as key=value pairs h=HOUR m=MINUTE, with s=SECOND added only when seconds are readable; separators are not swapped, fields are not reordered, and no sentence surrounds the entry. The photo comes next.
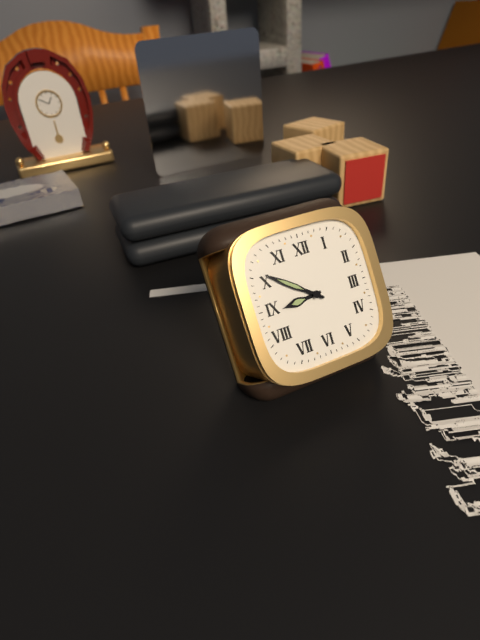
h=8 m=51
